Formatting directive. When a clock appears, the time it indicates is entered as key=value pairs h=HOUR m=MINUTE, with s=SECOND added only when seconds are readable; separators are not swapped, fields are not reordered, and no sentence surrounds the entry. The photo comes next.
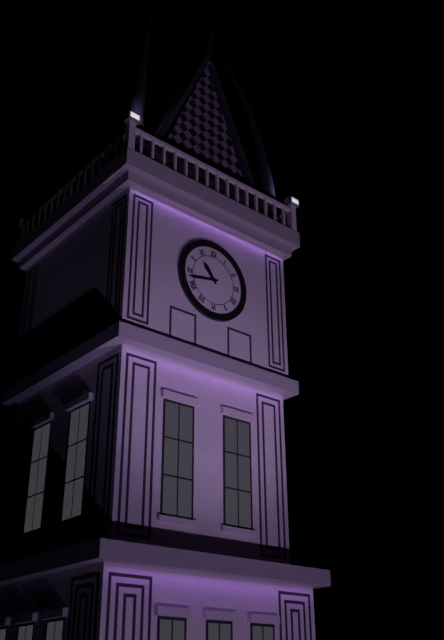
h=10 m=43
